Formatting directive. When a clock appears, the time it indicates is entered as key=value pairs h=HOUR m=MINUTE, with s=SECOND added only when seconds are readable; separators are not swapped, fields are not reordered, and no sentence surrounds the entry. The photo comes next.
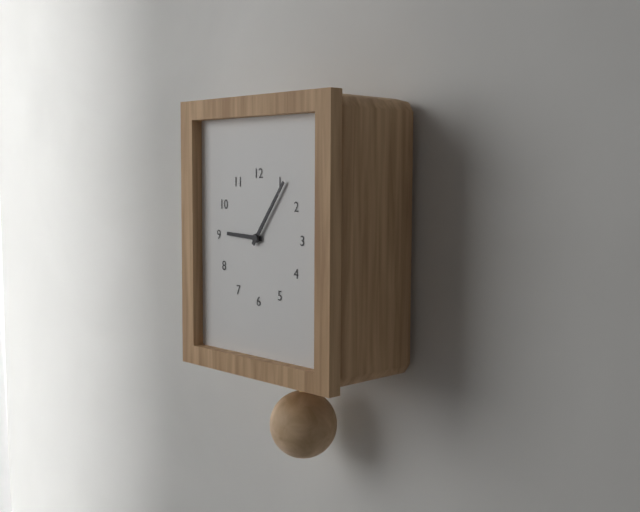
h=9 m=6
